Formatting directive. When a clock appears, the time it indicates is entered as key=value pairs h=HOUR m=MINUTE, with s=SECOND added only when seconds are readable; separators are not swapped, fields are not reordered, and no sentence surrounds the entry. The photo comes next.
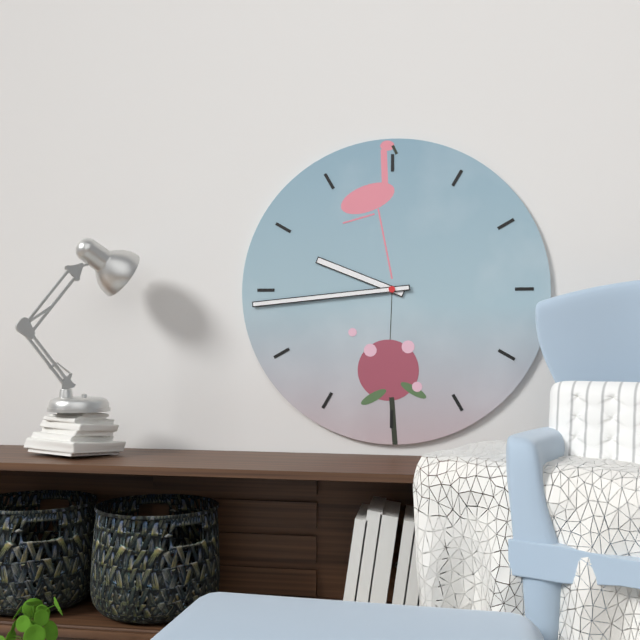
h=9 m=44
